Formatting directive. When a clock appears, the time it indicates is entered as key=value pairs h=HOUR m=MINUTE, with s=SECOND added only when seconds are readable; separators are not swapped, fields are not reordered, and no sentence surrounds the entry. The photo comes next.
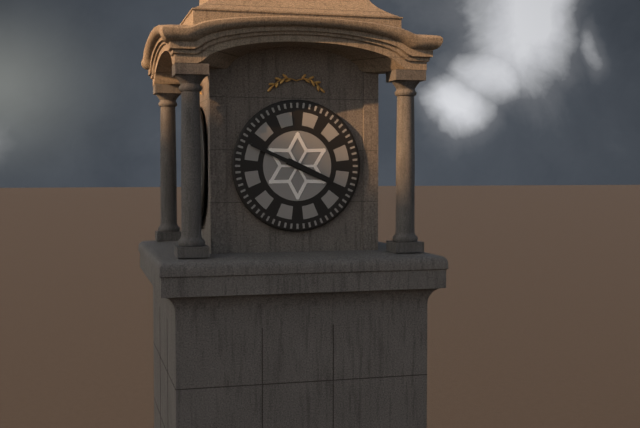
h=3 m=49
